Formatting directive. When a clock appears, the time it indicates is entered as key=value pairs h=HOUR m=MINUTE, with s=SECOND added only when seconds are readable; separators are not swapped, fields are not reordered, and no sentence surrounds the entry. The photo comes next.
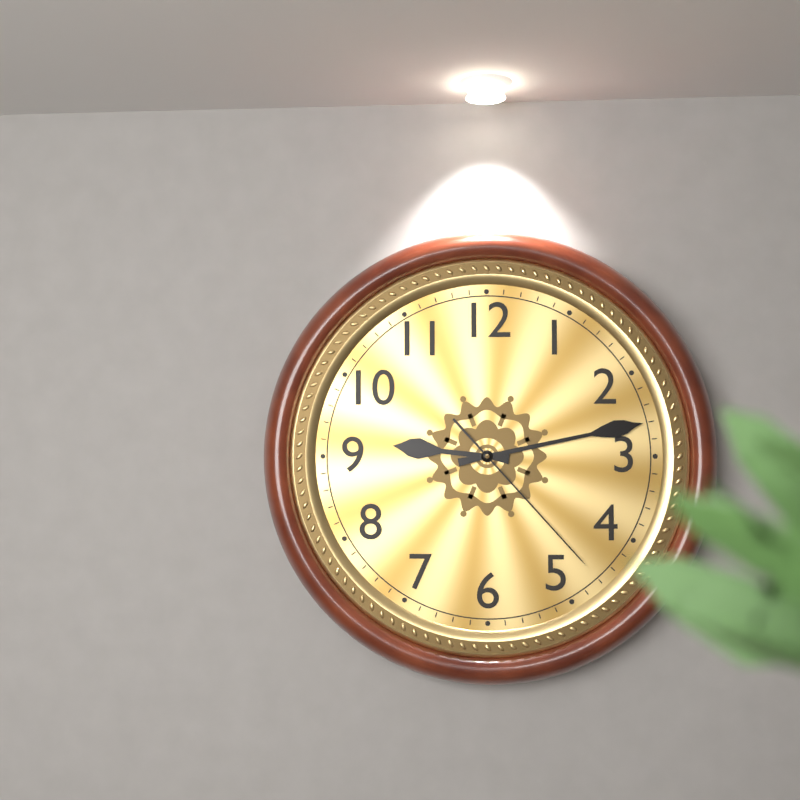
h=9 m=13 s=23
